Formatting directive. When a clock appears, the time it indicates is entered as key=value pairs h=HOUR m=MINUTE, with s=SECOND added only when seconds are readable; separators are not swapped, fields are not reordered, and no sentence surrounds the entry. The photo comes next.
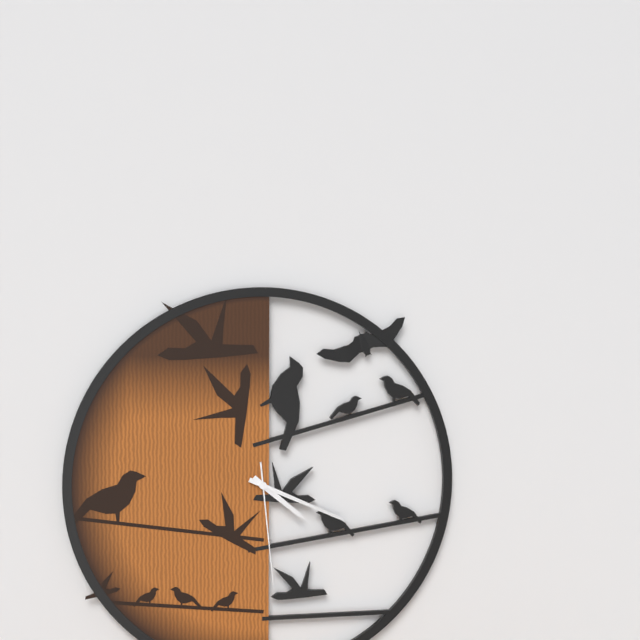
h=4 m=19 s=29
